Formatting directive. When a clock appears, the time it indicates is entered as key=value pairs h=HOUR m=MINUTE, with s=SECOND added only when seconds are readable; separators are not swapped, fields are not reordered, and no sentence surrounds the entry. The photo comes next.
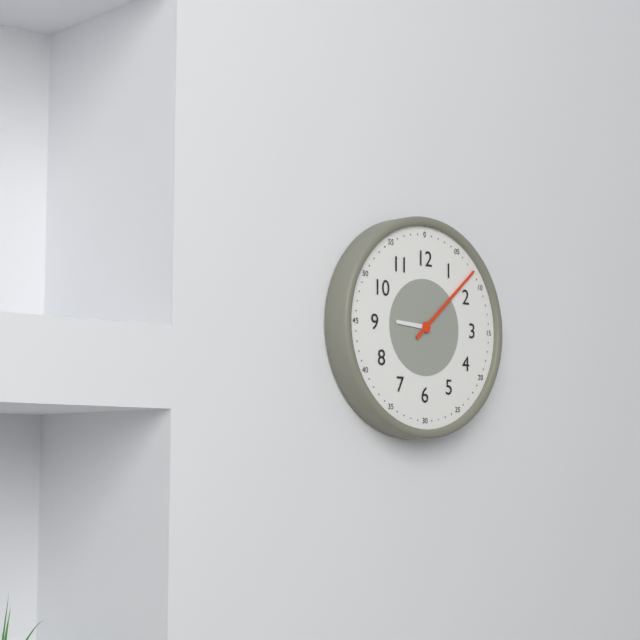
h=9 m=8
